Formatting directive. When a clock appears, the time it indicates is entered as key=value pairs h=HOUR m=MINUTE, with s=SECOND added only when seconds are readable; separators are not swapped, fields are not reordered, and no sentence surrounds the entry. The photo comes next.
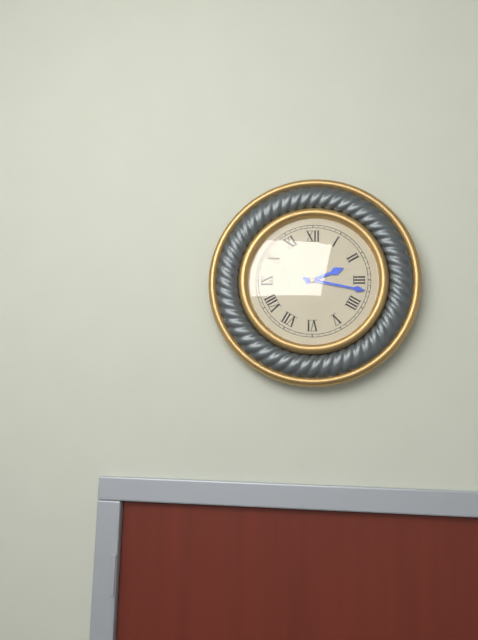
h=2 m=17
